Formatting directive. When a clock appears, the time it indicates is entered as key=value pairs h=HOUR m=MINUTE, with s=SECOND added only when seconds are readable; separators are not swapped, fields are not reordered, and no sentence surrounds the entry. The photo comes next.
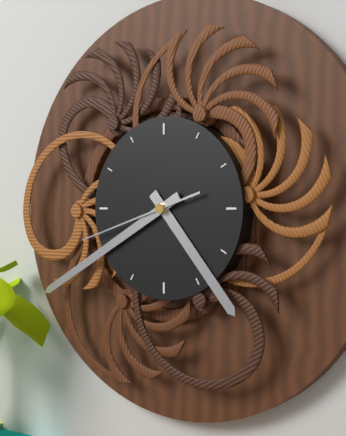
h=4 m=40 s=42
